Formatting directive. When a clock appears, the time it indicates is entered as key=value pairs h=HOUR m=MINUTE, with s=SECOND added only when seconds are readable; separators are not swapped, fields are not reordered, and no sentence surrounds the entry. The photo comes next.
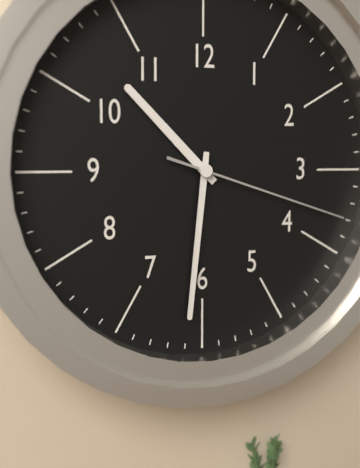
h=10 m=31 s=18
